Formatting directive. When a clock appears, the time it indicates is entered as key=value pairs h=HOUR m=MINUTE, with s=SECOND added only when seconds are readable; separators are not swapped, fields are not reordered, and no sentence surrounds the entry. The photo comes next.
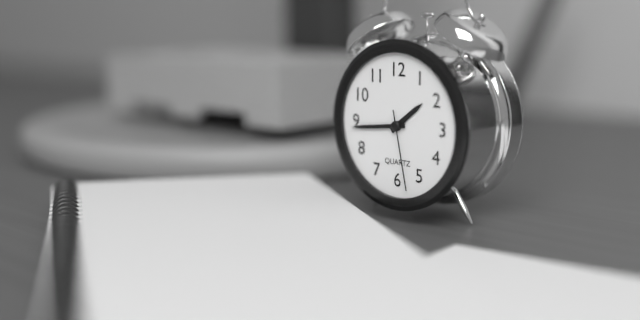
h=1 m=44 s=28
